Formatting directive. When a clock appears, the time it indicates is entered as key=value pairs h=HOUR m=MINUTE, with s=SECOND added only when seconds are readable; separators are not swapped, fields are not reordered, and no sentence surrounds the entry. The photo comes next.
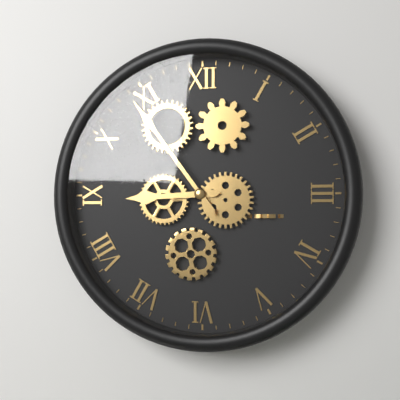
h=8 m=54
